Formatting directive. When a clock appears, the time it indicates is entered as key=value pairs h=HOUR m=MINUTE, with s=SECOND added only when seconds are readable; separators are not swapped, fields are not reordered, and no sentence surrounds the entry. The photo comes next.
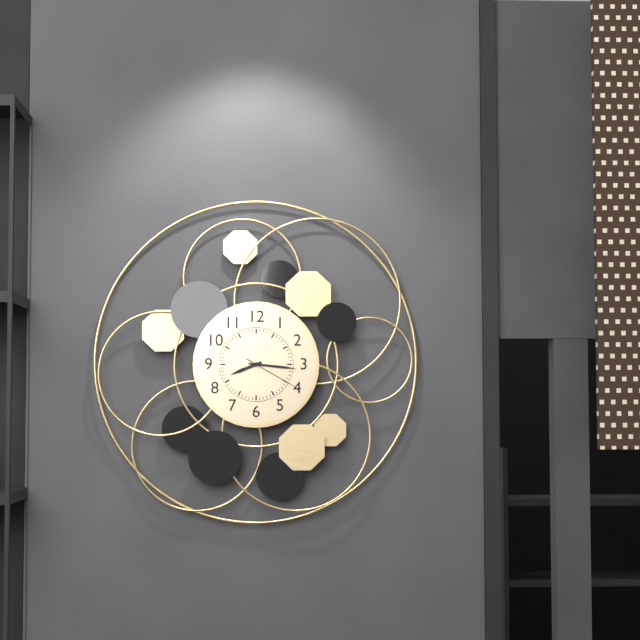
h=8 m=16 s=20
